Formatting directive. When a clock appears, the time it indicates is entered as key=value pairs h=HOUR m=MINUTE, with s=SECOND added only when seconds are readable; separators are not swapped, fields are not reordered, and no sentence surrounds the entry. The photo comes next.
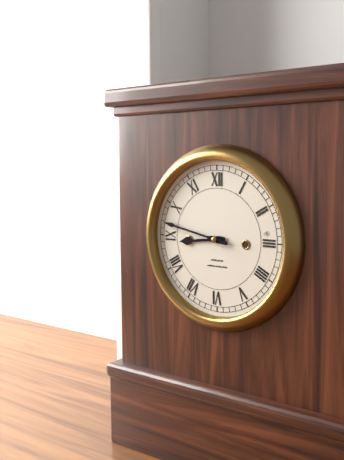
h=8 m=47
